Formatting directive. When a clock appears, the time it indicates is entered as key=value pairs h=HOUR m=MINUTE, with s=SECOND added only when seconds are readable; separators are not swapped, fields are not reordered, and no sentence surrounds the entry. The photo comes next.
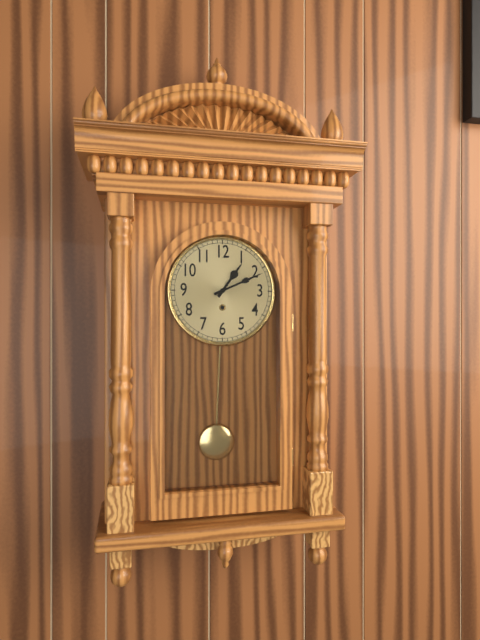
h=1 m=11
